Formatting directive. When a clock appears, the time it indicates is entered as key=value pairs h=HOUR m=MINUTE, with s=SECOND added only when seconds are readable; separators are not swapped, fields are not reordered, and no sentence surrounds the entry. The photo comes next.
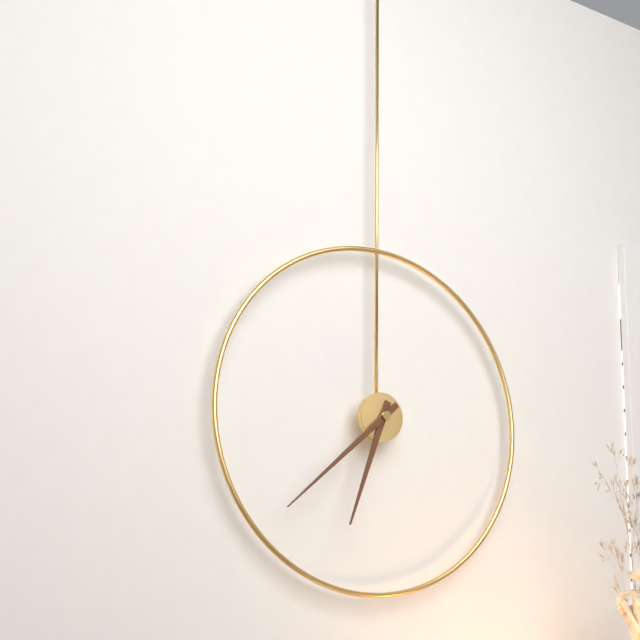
h=6 m=38
